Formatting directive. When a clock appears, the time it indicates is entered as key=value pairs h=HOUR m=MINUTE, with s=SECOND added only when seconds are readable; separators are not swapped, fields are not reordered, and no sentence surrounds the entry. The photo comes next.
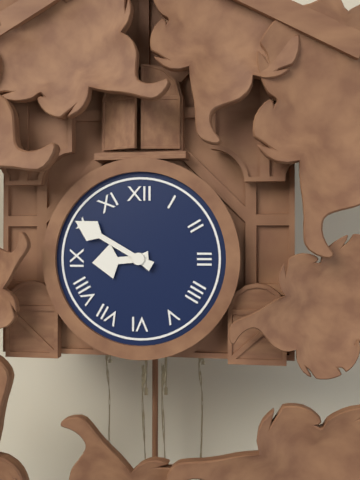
h=8 m=50
